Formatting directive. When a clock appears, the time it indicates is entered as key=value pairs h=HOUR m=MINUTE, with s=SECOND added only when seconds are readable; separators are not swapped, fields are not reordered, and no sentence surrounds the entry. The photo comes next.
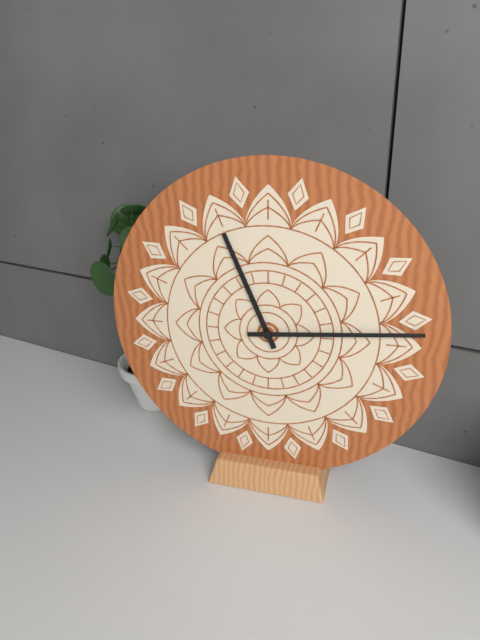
h=11 m=14
